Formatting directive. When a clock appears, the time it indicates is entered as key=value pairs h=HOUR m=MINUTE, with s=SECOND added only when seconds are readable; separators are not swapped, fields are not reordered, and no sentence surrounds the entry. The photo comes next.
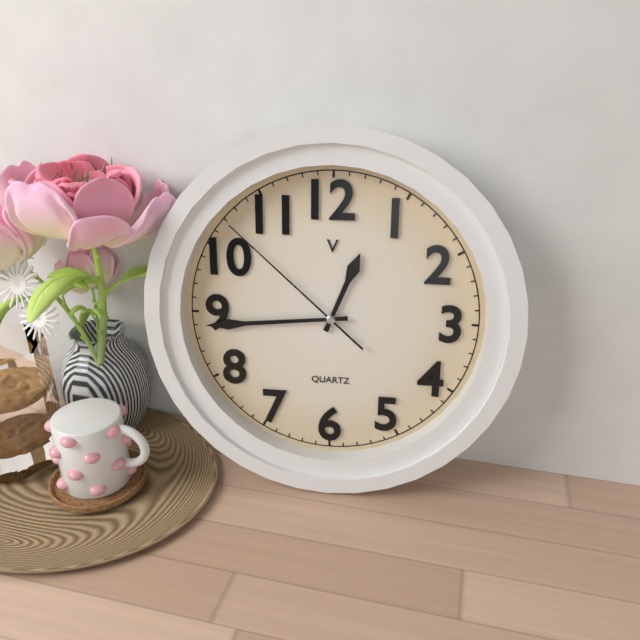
h=12 m=44 s=52
